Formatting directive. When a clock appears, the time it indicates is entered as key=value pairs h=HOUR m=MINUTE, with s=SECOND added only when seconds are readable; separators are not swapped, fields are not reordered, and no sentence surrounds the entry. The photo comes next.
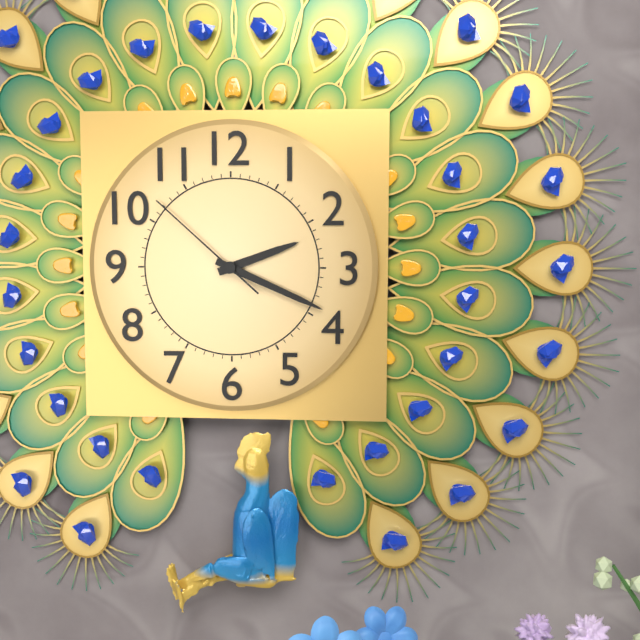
h=2 m=19 s=52
